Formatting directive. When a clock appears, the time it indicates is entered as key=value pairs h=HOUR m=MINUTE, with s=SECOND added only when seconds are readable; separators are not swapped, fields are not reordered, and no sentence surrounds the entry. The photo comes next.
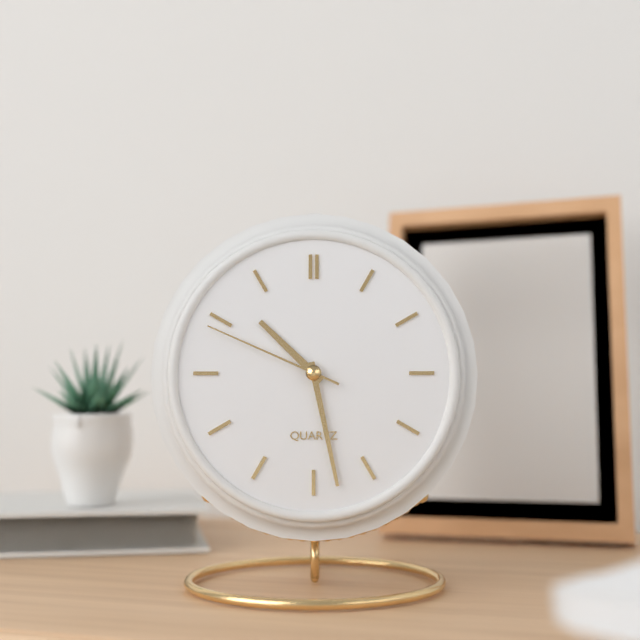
h=10 m=28 s=49
